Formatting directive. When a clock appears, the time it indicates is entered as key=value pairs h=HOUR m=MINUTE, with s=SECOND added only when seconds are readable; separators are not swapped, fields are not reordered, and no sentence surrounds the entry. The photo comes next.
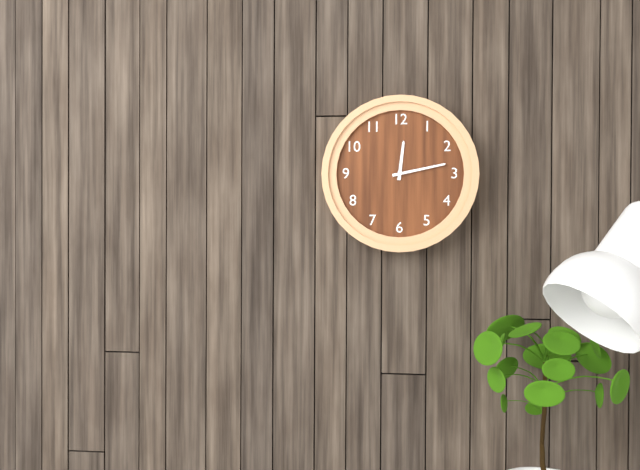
h=12 m=13
